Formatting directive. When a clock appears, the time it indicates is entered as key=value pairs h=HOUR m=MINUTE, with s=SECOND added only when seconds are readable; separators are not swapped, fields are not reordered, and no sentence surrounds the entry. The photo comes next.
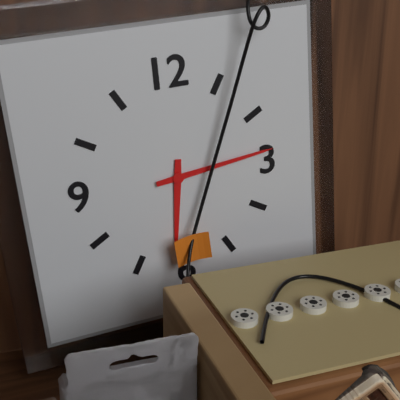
h=6 m=14
